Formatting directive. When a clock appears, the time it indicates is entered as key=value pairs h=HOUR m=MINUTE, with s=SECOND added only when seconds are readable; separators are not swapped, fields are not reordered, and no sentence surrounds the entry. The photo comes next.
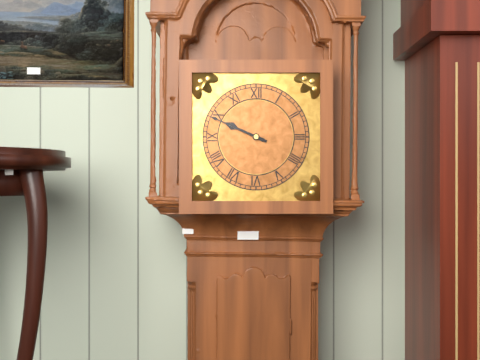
h=9 m=49
